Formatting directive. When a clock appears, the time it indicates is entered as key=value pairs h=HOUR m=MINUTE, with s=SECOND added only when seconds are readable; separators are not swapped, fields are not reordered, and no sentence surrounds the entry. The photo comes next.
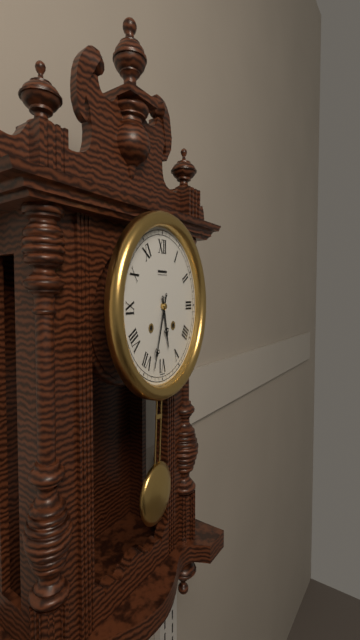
h=5 m=33
